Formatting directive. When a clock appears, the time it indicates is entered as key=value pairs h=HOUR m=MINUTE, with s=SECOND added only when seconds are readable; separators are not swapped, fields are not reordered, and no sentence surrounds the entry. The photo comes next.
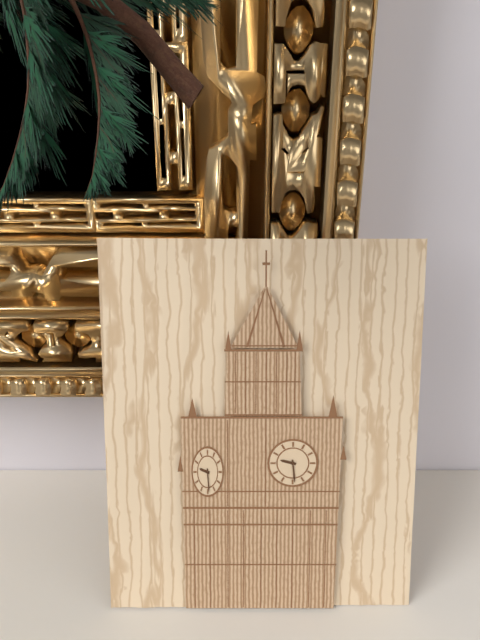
h=9 m=29
